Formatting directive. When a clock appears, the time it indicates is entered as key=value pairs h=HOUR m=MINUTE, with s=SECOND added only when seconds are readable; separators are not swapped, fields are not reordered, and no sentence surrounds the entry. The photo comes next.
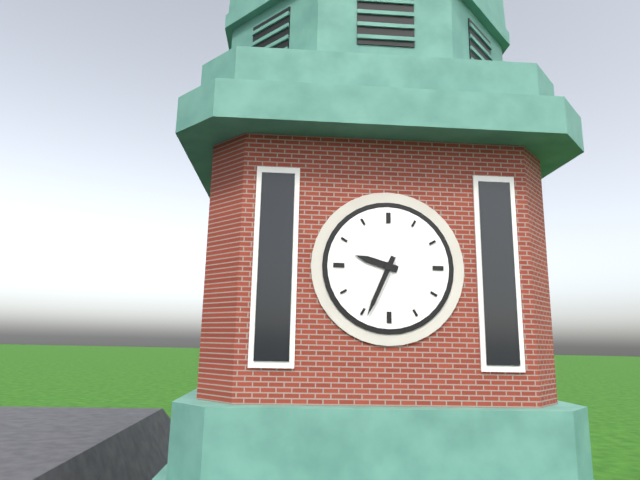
h=9 m=34
